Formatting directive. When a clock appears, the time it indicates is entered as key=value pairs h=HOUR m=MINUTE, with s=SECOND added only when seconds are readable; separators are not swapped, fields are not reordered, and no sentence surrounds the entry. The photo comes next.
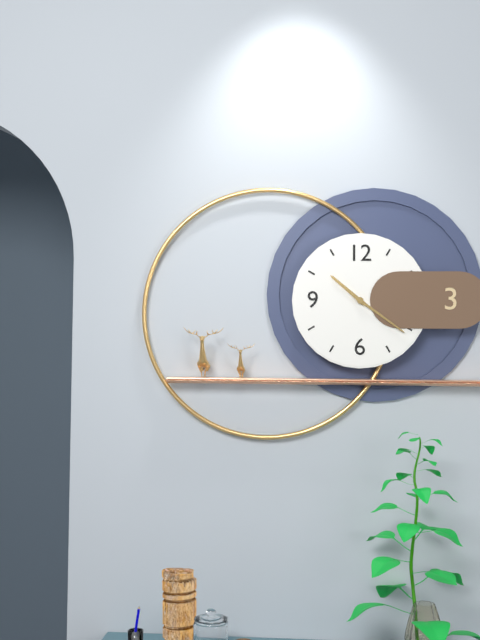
h=10 m=21
